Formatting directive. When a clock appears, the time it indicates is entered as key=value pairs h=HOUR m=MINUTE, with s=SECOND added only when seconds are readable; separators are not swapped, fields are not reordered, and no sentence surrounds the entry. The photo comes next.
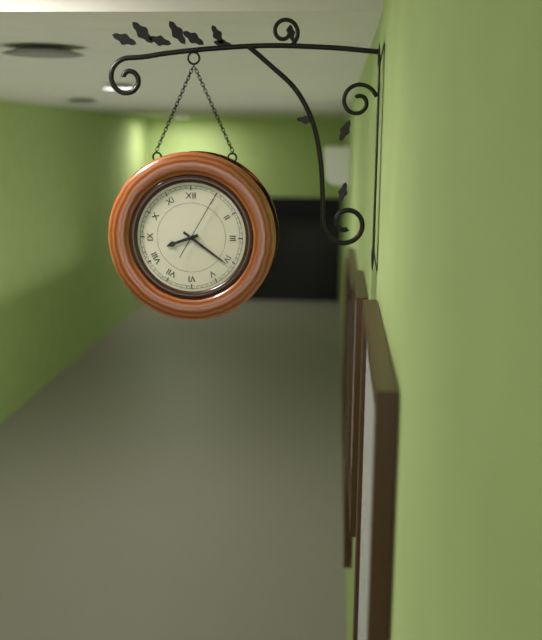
h=8 m=21 s=5
